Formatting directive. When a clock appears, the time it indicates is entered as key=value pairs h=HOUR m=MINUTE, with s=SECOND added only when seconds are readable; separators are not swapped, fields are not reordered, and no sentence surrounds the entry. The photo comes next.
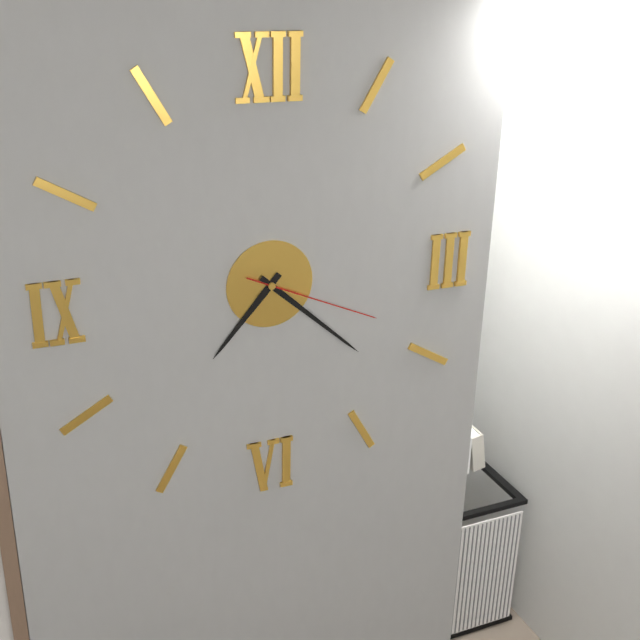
h=7 m=22 s=19
